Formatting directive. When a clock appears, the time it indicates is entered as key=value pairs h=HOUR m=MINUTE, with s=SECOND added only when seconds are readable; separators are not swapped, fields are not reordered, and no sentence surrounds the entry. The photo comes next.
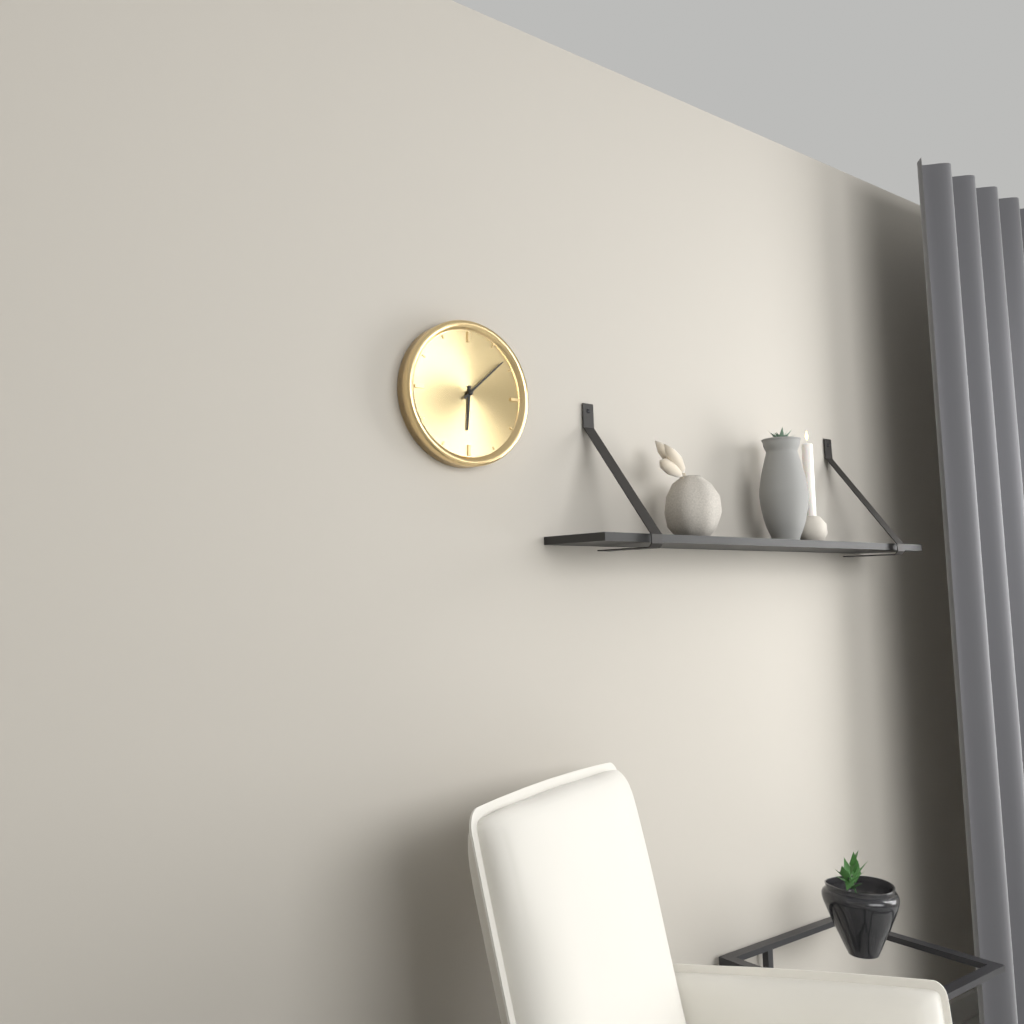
h=6 m=8
